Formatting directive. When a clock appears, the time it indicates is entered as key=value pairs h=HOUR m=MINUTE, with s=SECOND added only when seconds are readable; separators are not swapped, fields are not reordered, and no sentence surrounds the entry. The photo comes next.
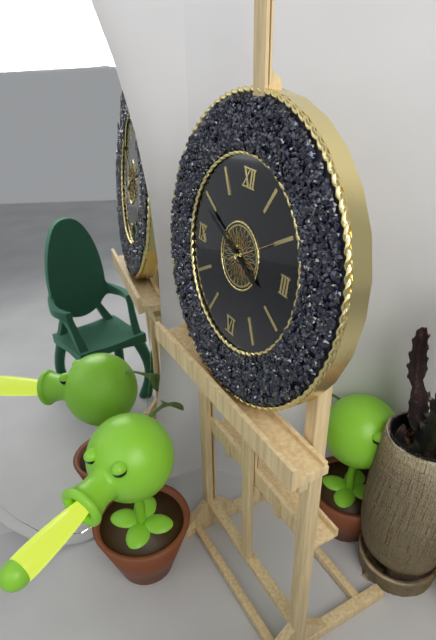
h=3 m=49 s=10
